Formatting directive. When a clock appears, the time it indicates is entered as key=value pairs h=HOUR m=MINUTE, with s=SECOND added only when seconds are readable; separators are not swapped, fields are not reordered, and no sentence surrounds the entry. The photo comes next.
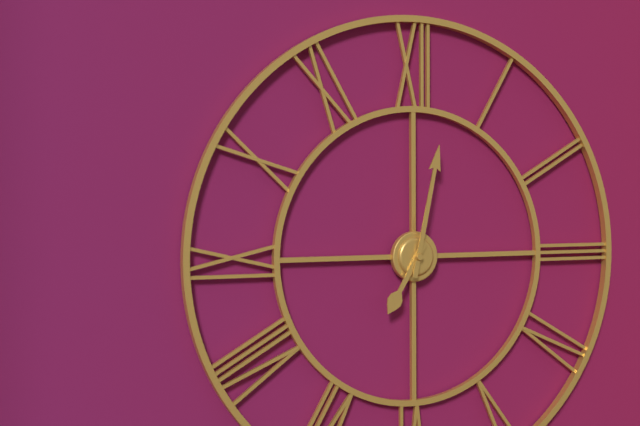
h=7 m=2
